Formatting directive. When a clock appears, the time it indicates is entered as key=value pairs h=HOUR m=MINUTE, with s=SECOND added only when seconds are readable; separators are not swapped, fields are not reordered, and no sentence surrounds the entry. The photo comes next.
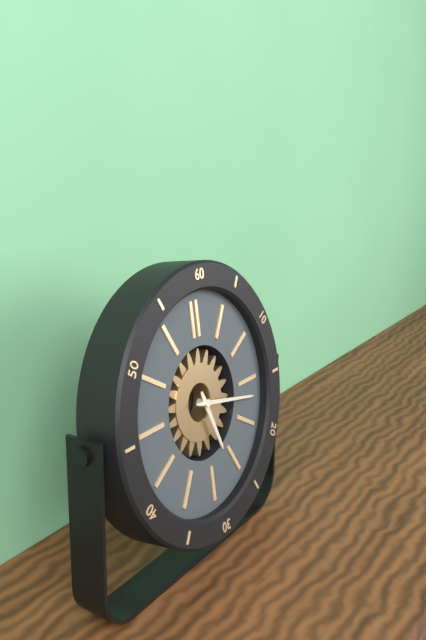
h=5 m=17
